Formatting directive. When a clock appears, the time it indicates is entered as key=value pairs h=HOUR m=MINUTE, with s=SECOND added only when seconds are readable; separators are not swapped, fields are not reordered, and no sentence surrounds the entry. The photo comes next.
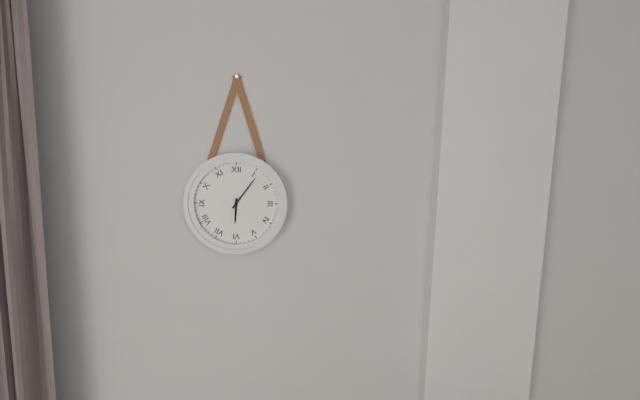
h=6 m=6
